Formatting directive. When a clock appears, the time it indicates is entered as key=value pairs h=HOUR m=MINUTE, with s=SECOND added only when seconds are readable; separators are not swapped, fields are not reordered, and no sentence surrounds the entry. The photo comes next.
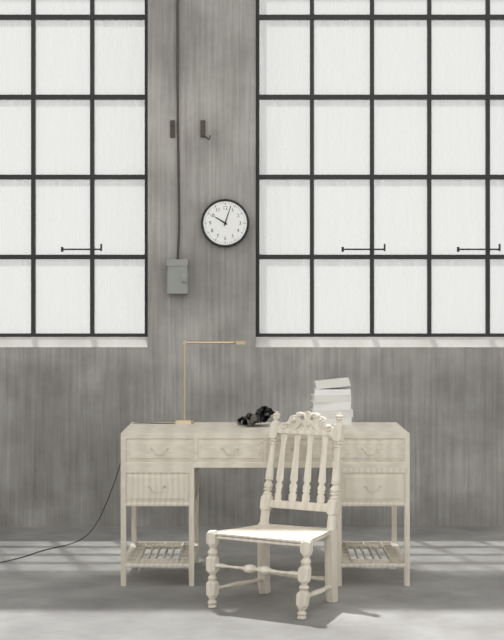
h=10 m=3
